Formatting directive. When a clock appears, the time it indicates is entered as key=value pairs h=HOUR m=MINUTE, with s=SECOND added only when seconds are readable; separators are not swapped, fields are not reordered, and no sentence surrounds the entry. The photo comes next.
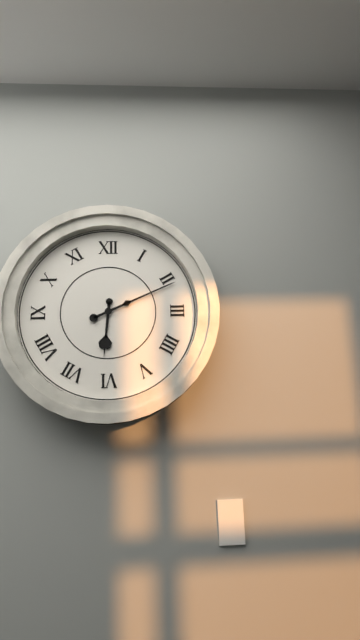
h=6 m=11
